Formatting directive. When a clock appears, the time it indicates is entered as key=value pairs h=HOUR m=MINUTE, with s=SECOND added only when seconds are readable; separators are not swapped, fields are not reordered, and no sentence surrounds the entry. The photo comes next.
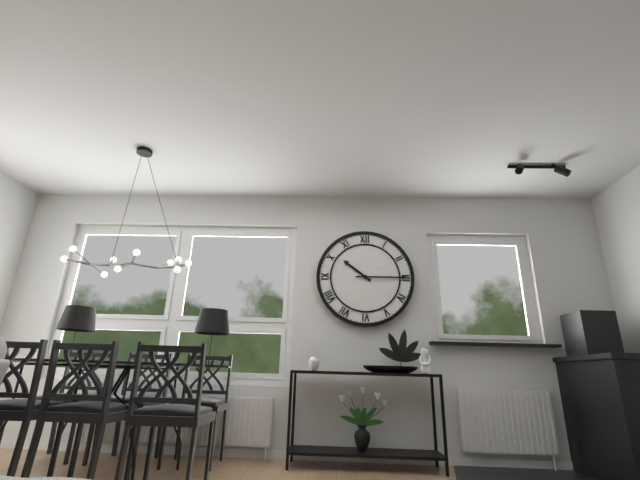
h=10 m=15
